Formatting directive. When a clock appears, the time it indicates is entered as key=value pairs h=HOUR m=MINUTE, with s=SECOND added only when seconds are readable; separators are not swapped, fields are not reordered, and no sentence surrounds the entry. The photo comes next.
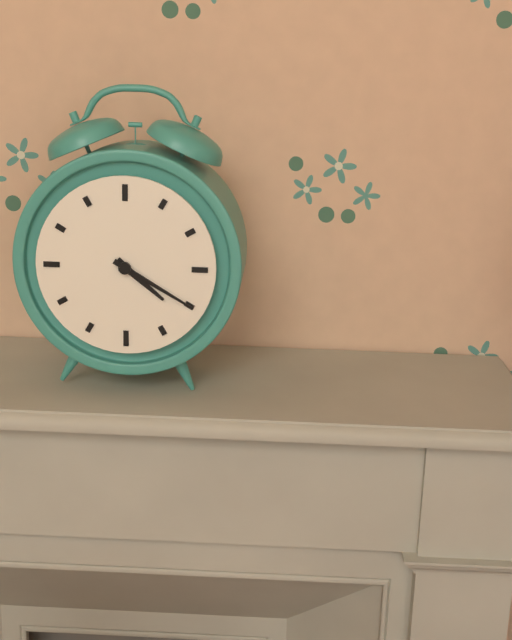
h=4 m=20
